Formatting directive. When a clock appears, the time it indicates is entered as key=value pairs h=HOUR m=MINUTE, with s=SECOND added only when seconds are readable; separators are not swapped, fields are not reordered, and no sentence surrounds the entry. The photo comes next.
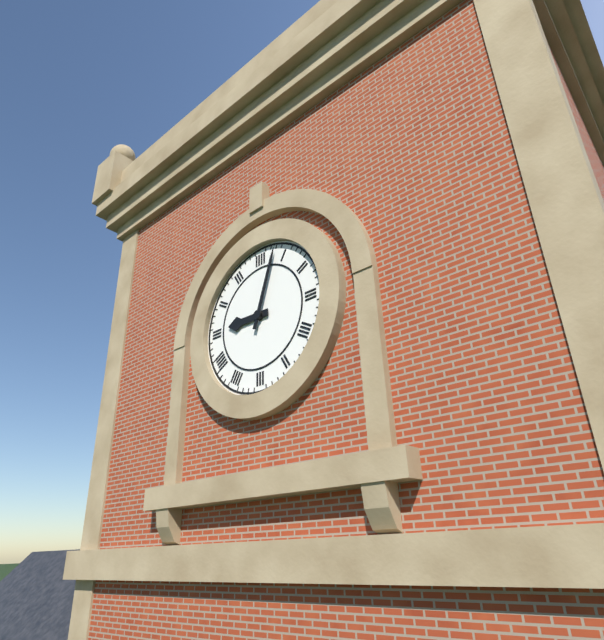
h=9 m=3
